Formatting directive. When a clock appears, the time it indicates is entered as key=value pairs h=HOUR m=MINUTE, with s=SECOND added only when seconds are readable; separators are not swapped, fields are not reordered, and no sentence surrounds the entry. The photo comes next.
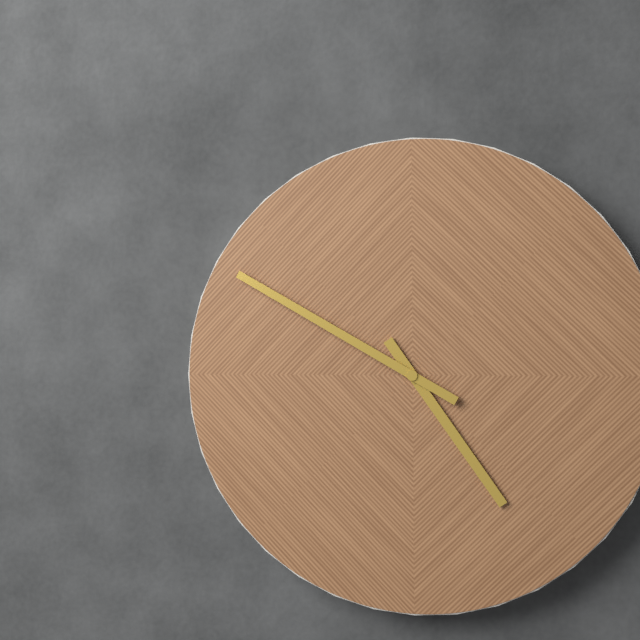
h=4 m=50
